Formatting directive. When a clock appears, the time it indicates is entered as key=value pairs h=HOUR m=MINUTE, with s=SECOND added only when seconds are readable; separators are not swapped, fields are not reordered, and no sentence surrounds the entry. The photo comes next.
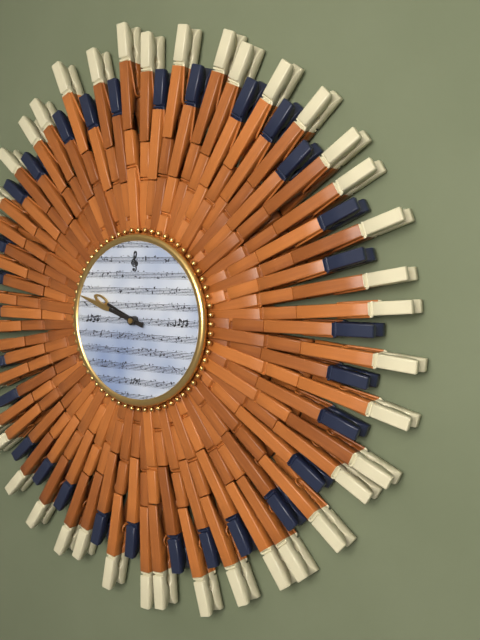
h=9 m=48
